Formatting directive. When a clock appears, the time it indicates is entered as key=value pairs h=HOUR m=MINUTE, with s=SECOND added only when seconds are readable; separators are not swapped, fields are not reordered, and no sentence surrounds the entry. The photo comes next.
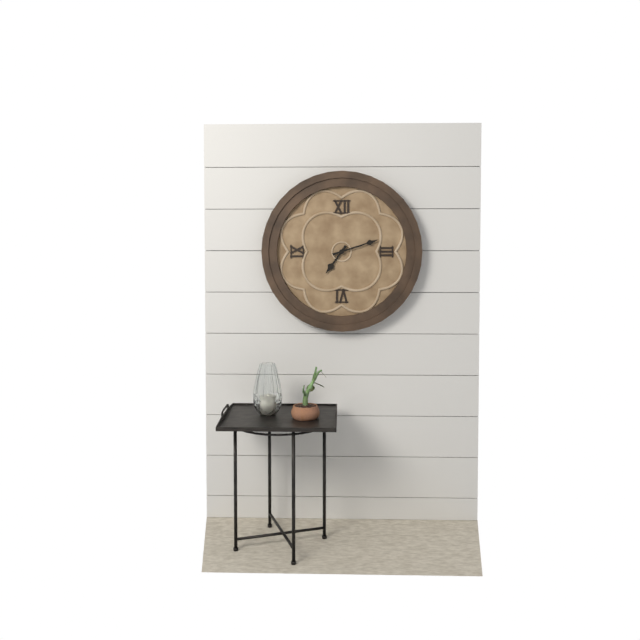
h=7 m=12
